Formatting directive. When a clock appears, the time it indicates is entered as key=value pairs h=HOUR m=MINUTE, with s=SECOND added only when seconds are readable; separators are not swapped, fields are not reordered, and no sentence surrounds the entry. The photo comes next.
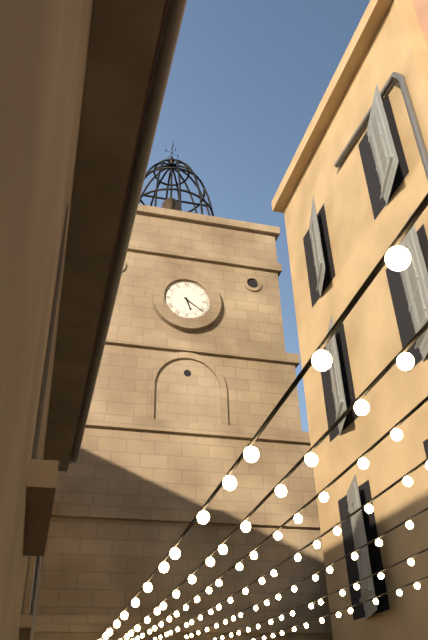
h=5 m=21
